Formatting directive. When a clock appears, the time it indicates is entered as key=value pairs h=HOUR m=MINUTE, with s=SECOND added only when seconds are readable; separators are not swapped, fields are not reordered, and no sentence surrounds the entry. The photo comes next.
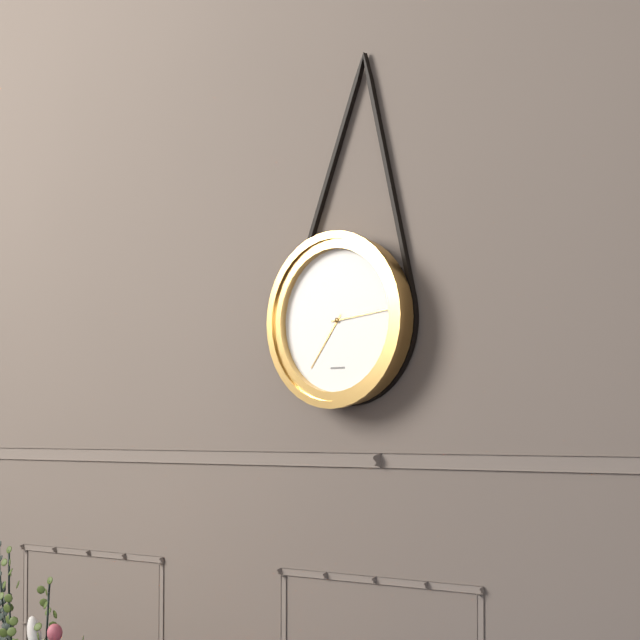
h=7 m=14
